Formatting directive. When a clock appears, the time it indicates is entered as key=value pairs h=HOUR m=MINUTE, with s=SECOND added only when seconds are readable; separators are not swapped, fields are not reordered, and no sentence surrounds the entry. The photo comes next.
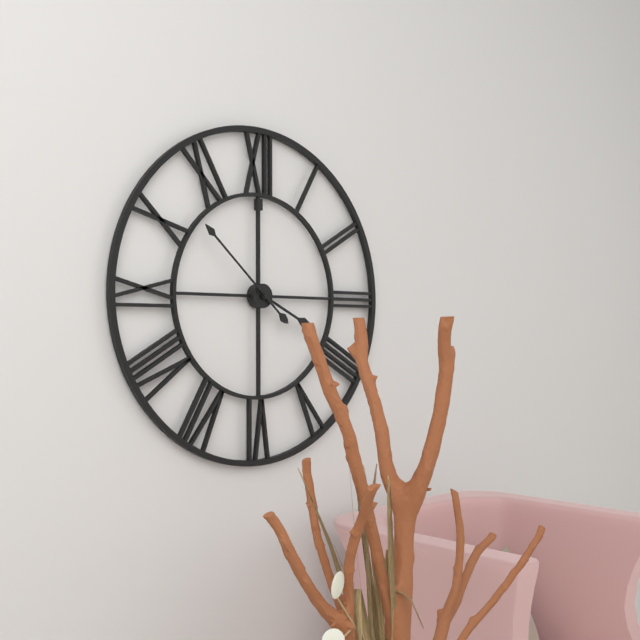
h=3 m=52
